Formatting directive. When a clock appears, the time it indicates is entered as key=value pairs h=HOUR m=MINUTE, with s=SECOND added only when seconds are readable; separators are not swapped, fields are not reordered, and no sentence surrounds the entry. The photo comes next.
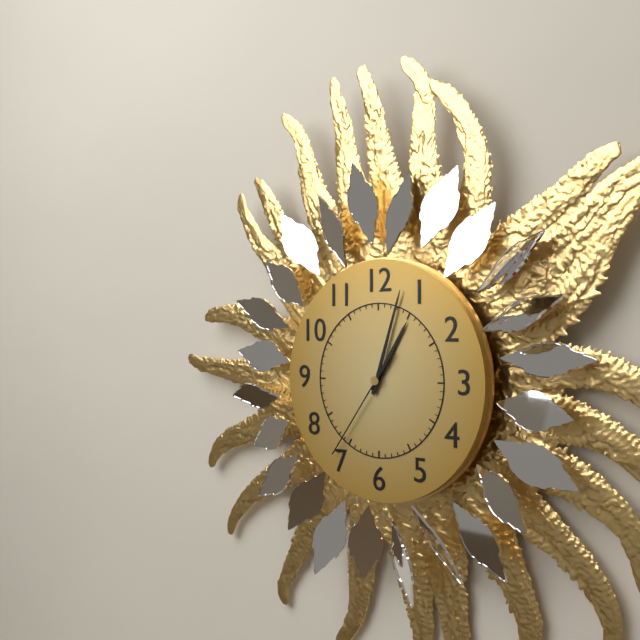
h=1 m=3 s=36
